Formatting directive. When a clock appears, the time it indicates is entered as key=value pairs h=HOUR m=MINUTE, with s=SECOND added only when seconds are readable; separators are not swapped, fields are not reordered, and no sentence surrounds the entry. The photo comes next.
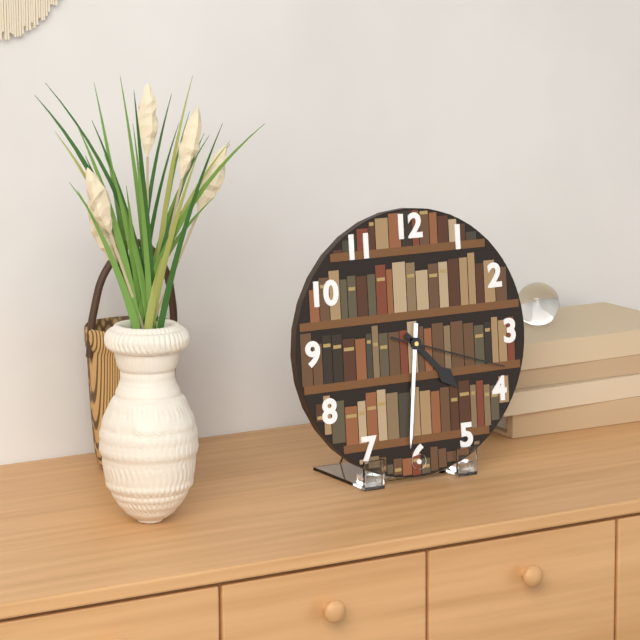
h=4 m=31 s=18
